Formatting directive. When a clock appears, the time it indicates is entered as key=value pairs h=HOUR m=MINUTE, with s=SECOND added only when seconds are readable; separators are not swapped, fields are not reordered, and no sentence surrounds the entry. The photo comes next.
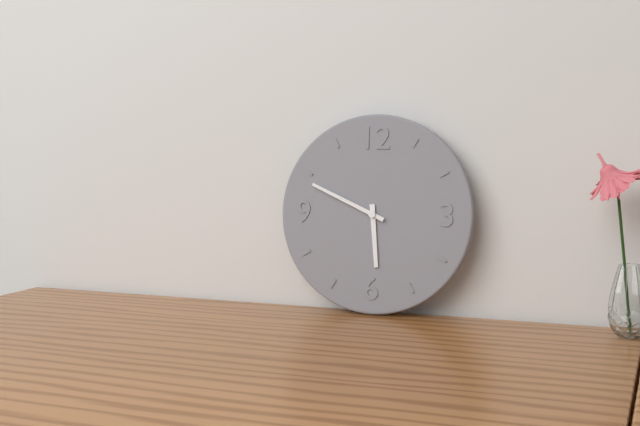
h=5 m=49
